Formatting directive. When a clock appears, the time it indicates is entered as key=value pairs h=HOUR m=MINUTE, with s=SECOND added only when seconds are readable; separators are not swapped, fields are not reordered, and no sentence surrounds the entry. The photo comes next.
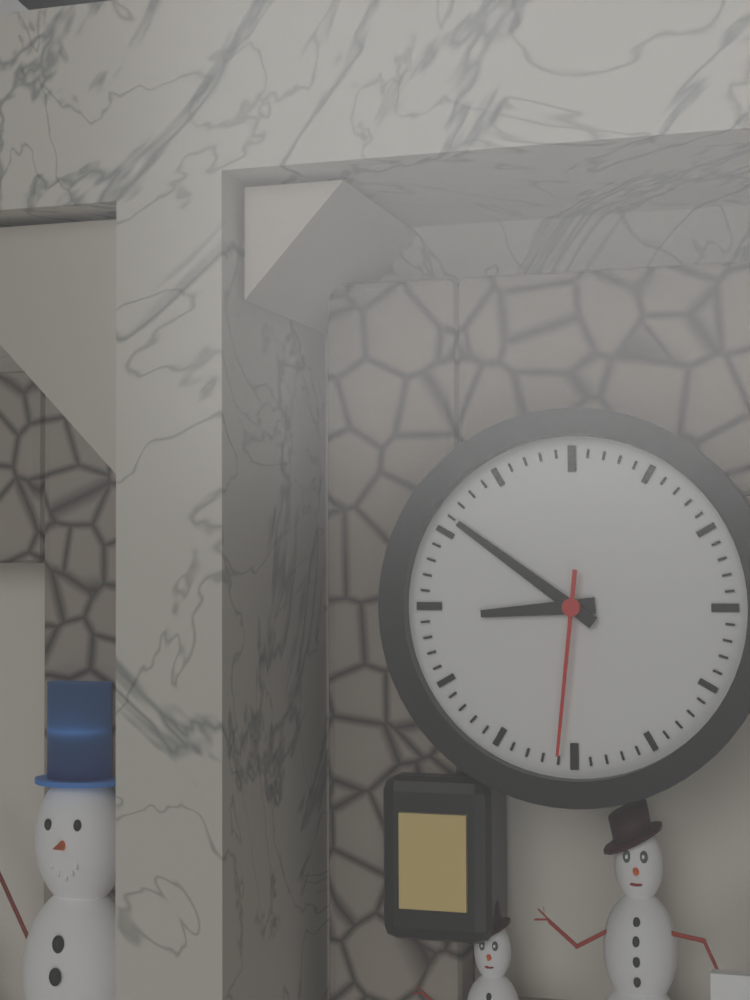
h=8 m=51 s=31
